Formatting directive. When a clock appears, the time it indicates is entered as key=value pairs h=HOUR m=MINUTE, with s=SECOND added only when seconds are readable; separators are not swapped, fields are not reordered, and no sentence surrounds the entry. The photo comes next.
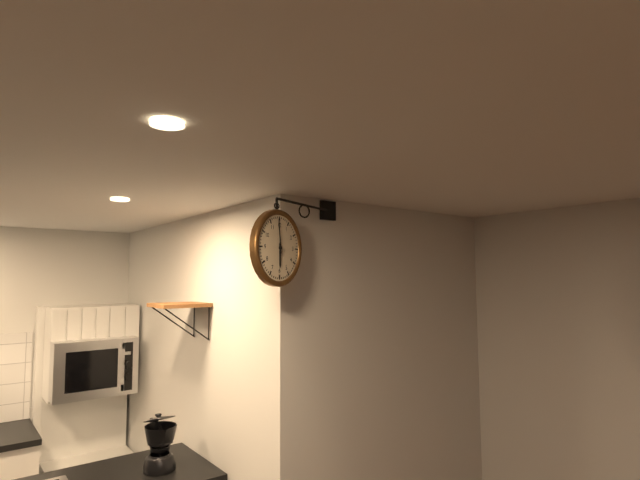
h=5 m=59
